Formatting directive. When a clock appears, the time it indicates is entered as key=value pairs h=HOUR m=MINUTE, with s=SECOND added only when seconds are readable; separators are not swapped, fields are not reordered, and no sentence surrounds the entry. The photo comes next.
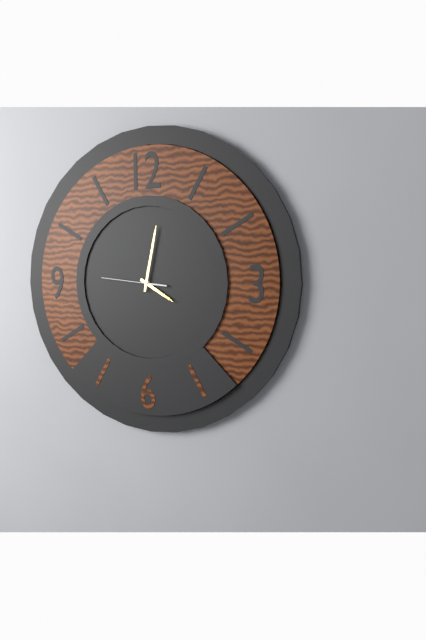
h=4 m=2 s=46
